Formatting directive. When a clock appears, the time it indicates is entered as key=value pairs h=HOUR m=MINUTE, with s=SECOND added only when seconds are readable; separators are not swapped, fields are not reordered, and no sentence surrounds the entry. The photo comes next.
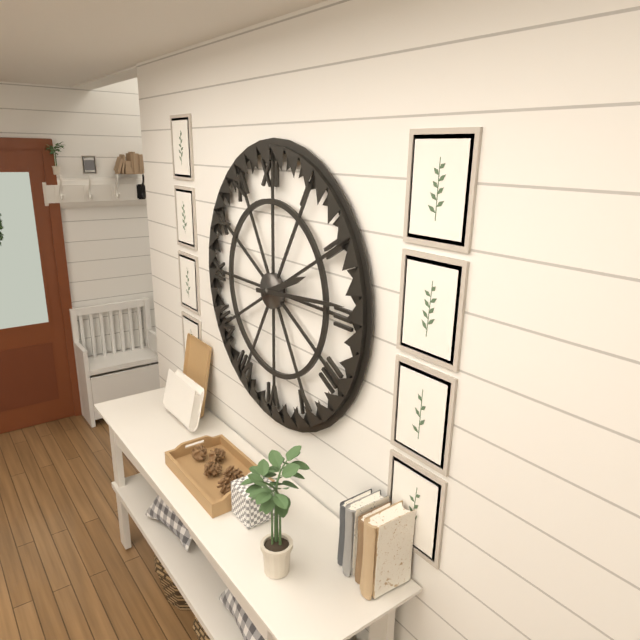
h=2 m=14
